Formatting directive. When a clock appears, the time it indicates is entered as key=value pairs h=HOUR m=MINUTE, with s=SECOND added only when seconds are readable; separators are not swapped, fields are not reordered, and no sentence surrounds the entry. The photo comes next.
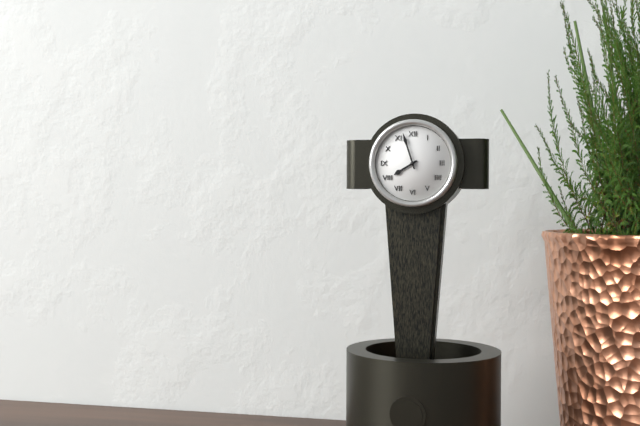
h=7 m=57
